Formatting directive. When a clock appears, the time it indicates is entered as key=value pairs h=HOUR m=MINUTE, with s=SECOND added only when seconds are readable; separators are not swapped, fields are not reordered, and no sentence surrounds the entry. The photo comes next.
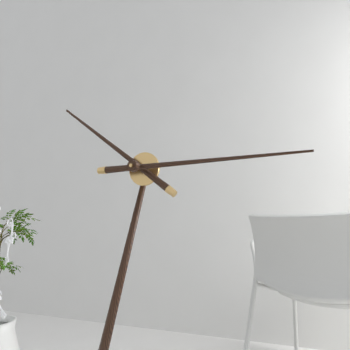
h=10 m=15
